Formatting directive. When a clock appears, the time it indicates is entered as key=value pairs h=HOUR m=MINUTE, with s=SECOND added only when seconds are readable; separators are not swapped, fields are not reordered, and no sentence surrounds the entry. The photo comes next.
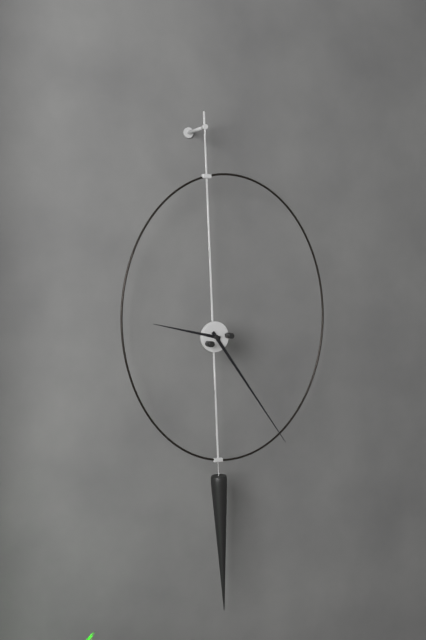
h=9 m=24
